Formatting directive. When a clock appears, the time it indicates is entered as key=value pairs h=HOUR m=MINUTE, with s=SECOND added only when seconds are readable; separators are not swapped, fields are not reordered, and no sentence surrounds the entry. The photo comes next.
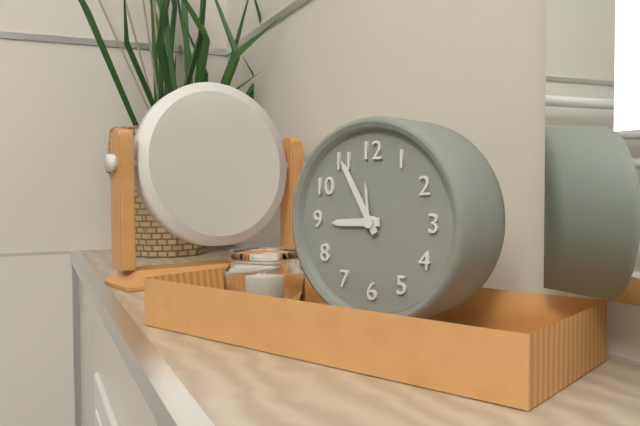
h=8 m=55
